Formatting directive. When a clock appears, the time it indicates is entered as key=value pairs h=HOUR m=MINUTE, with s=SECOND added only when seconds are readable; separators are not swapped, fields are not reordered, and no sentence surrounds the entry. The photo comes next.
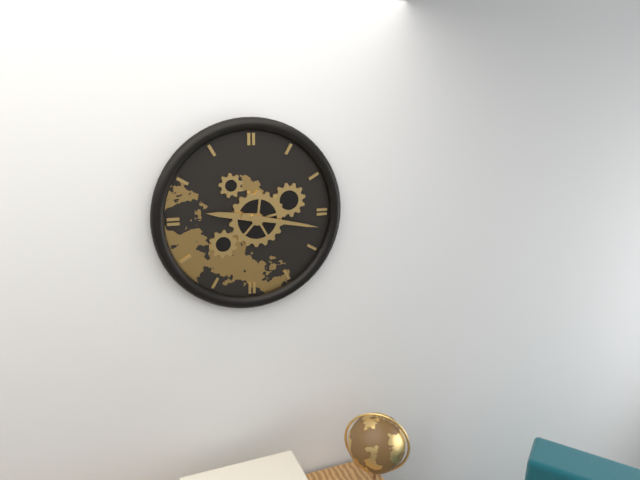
h=9 m=17
